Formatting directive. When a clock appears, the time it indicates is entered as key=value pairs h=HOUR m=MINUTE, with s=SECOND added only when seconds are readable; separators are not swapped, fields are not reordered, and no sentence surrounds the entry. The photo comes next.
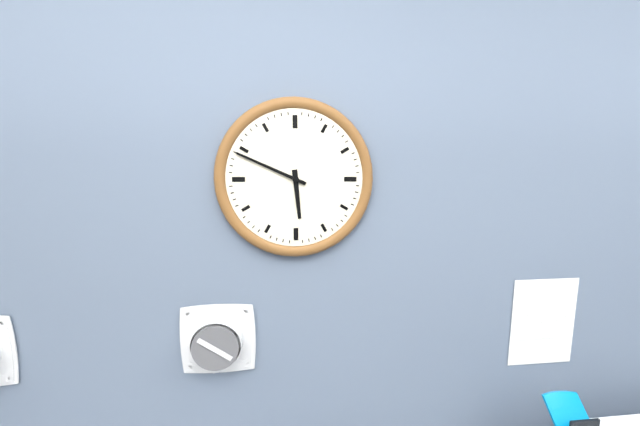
h=5 m=49
